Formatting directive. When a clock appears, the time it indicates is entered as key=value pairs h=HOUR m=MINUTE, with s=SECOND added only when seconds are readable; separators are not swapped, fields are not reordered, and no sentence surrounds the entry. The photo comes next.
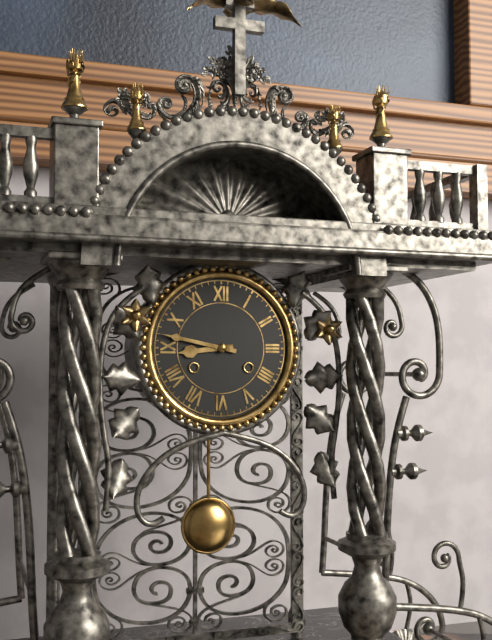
h=8 m=47
